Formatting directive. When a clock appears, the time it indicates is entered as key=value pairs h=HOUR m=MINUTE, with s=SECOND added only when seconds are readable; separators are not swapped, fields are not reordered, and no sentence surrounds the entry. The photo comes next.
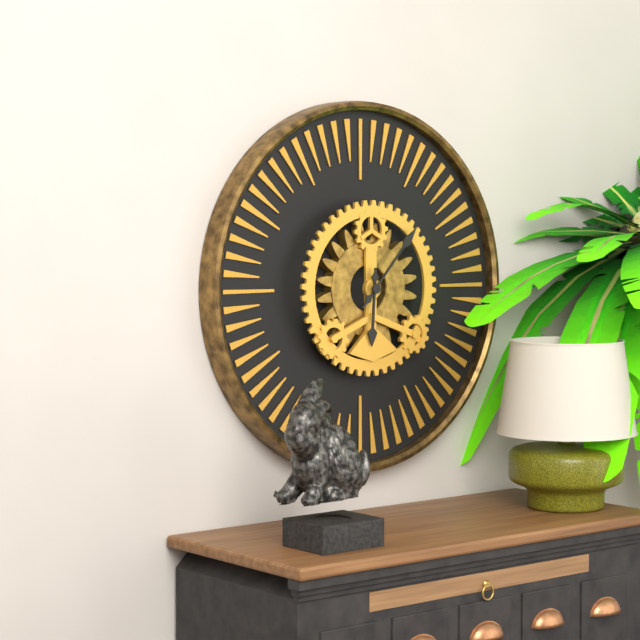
h=6 m=7
